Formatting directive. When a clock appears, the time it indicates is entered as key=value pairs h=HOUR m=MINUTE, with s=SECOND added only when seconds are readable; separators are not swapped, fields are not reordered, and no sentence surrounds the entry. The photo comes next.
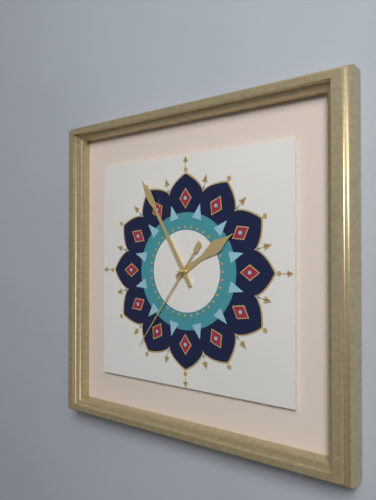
h=1 m=55 s=36
